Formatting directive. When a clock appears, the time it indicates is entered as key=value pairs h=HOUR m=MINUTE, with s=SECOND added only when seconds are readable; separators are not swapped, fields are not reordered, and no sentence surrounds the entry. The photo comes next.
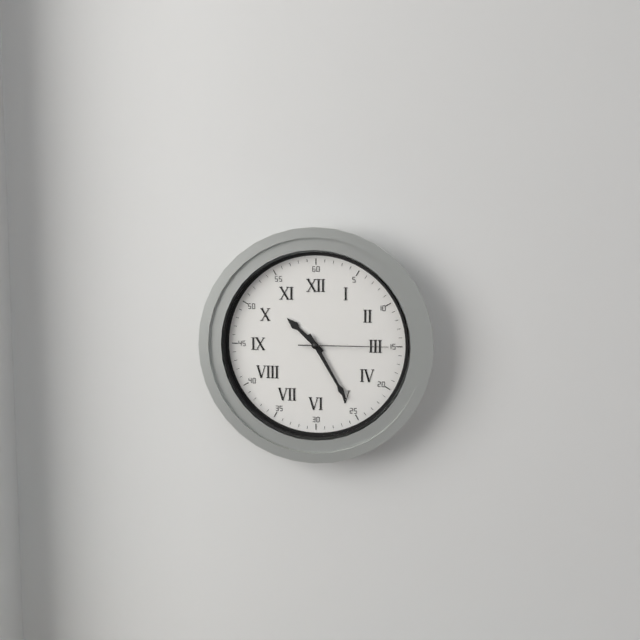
h=10 m=25 s=15
